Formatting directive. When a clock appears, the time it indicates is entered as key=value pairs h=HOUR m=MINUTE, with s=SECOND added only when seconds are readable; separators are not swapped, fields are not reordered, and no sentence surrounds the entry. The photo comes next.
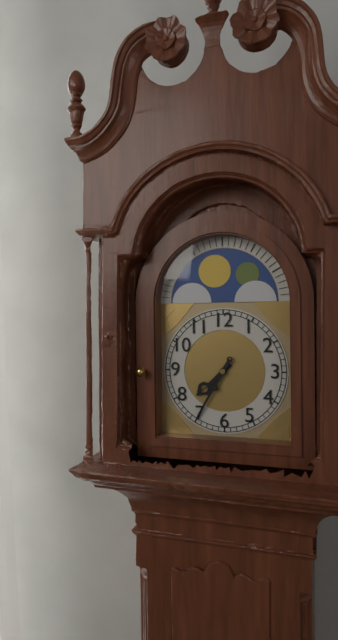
h=7 m=35
